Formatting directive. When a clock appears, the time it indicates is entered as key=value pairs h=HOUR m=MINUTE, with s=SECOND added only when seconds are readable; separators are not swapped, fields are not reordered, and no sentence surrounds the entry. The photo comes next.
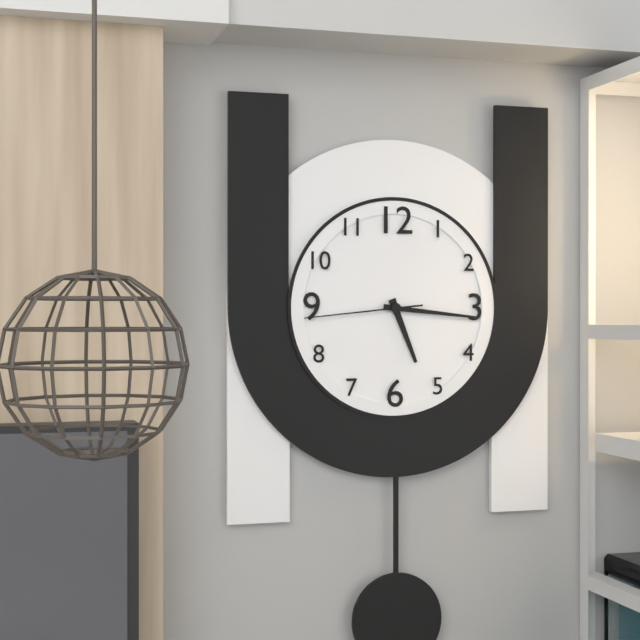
h=5 m=16 s=44
